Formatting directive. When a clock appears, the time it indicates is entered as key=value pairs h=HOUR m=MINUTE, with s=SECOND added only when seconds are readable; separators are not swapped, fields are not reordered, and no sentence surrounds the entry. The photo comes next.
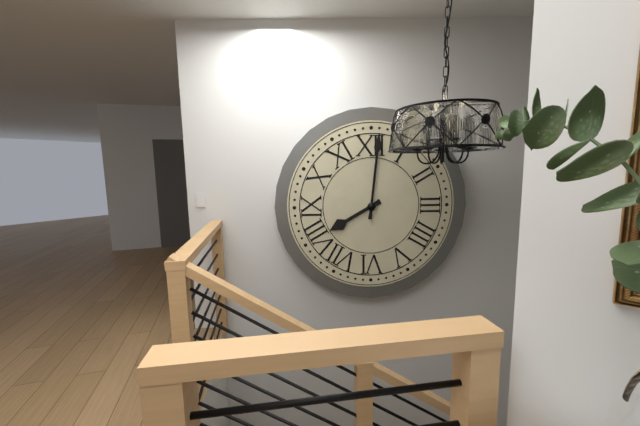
h=8 m=1
